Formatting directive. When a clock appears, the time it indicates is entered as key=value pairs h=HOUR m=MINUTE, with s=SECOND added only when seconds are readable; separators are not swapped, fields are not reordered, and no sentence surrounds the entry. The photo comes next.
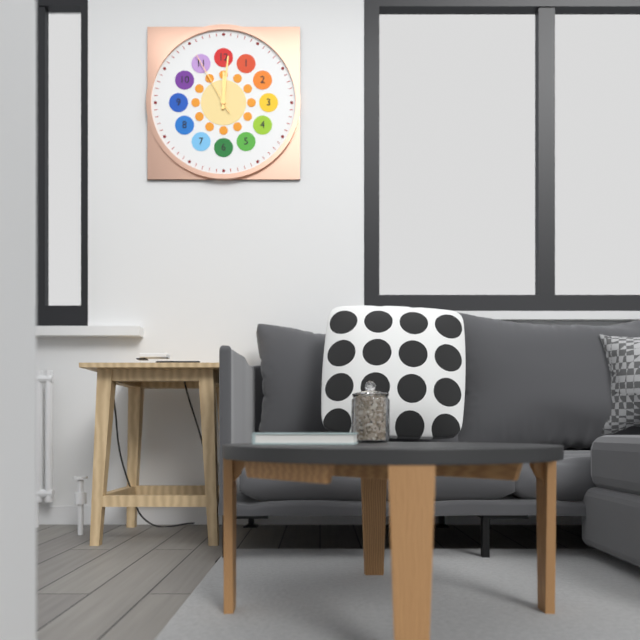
h=12 m=1 s=55
